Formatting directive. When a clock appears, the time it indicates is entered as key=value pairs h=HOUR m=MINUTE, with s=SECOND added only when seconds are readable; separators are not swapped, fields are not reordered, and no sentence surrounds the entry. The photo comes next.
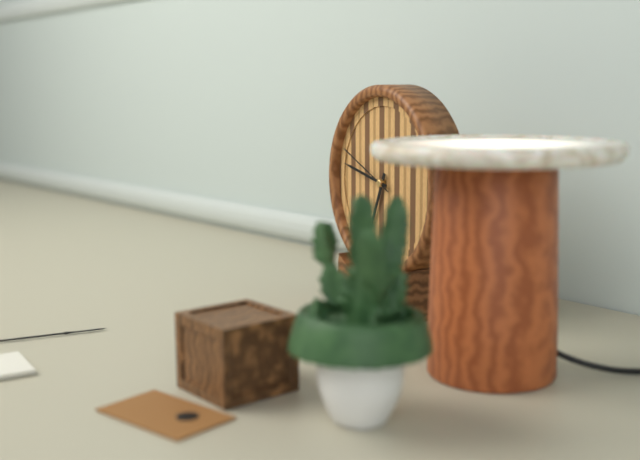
h=6 m=47 s=49
